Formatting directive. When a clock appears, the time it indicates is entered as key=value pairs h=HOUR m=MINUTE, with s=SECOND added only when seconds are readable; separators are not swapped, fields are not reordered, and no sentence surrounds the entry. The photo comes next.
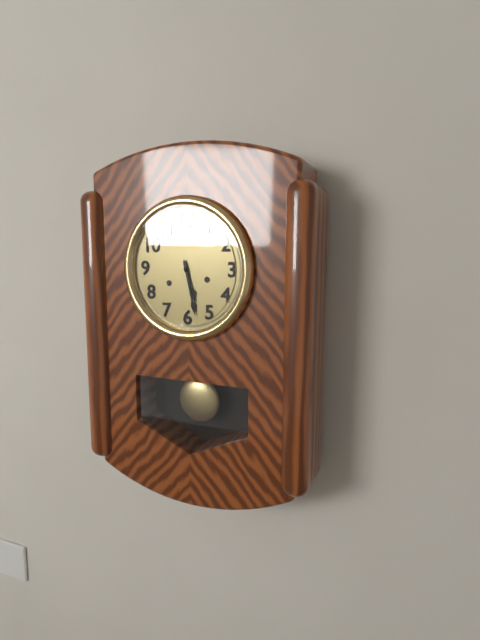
h=5 m=28
